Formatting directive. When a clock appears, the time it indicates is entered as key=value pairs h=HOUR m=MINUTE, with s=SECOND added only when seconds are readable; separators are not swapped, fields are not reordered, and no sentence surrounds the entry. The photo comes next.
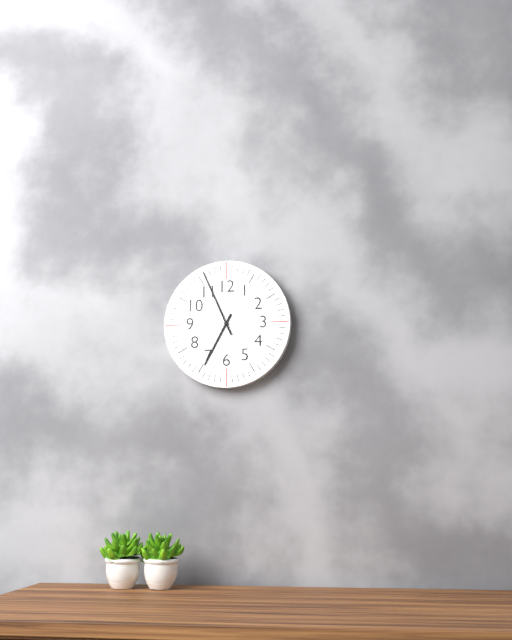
h=6 m=56
